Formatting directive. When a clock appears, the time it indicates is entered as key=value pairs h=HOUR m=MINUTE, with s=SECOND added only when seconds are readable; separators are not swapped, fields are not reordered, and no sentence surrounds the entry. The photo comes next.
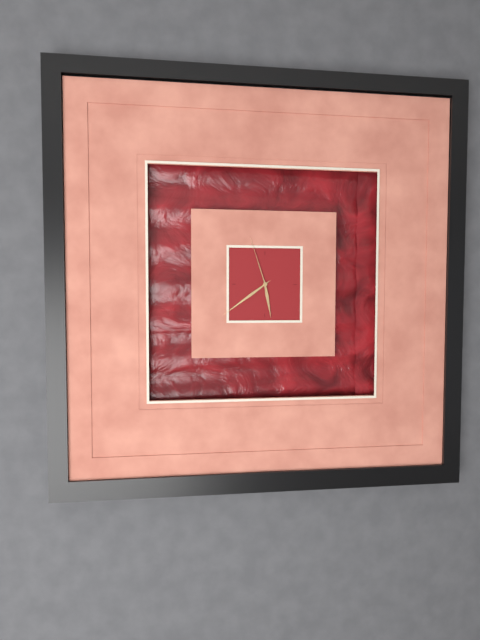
h=5 m=39 s=57
